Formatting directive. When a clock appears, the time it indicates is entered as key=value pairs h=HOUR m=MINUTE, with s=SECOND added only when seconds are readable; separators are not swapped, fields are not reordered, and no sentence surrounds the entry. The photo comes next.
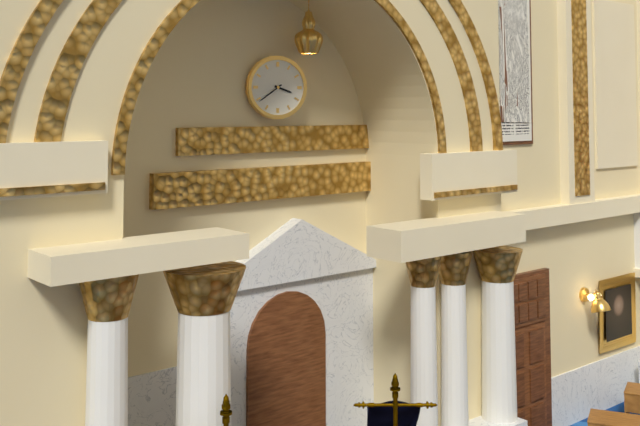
h=3 m=39
